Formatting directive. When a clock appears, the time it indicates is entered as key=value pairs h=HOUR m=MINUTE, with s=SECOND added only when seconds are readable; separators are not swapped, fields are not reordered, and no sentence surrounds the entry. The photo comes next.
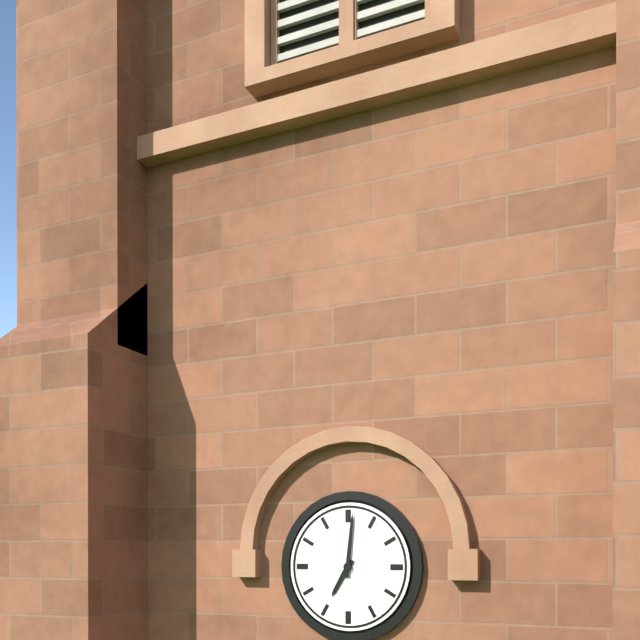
h=7 m=1
